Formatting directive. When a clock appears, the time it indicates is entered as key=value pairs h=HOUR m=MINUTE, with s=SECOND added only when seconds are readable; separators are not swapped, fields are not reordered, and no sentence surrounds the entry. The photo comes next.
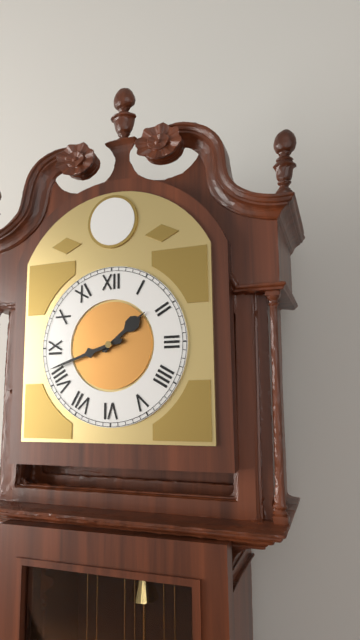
h=1 m=42
